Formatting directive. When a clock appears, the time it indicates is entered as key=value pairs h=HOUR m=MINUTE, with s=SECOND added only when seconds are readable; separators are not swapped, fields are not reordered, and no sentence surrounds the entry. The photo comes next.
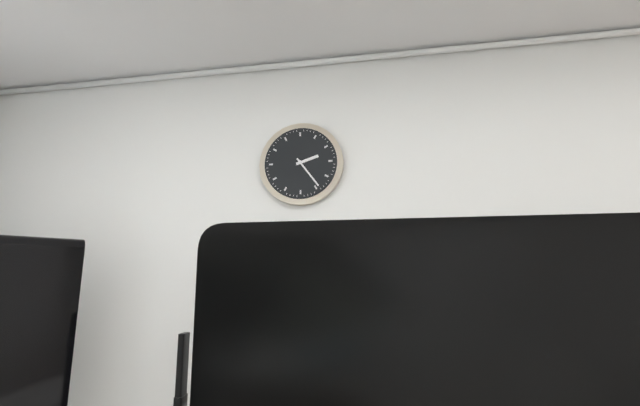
h=2 m=24
